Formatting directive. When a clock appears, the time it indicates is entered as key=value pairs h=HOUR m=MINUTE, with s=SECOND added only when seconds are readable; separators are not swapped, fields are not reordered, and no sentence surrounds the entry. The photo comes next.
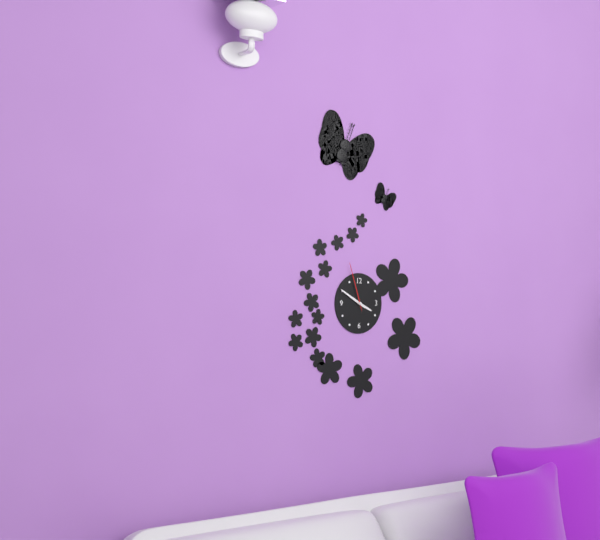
h=3 m=50 s=57
